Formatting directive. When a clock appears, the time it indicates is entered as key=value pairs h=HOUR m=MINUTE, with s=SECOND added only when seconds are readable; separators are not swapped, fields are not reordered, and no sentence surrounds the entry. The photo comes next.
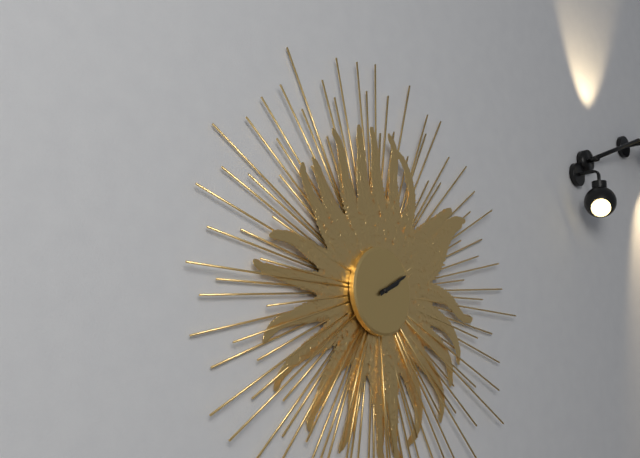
h=2 m=10
